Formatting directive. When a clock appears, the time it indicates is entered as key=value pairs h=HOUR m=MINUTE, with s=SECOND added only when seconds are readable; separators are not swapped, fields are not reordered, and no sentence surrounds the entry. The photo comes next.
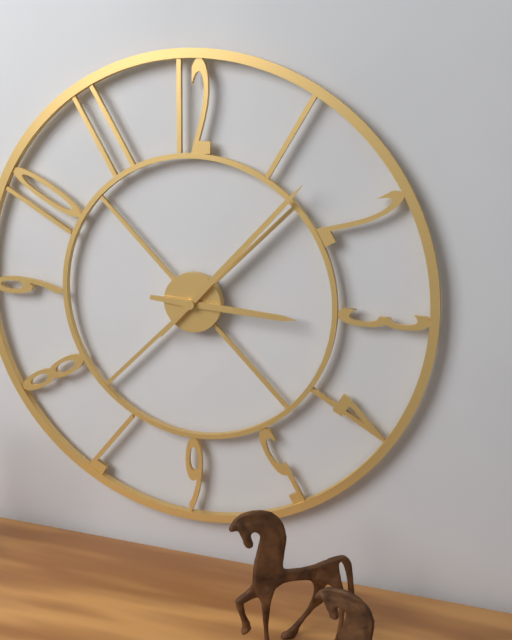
h=3 m=7
